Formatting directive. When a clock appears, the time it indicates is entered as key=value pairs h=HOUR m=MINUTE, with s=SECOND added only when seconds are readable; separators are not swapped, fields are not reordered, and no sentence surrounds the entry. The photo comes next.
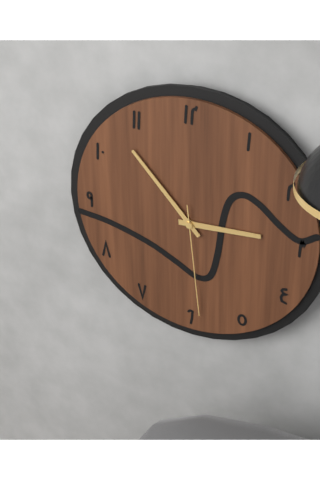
h=2 m=53 s=29
